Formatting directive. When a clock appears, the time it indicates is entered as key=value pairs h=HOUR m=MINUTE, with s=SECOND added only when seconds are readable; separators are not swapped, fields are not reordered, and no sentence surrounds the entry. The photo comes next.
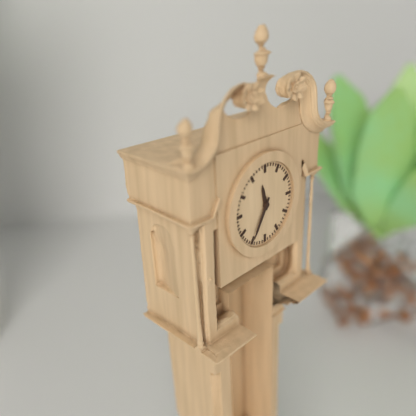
h=11 m=35
